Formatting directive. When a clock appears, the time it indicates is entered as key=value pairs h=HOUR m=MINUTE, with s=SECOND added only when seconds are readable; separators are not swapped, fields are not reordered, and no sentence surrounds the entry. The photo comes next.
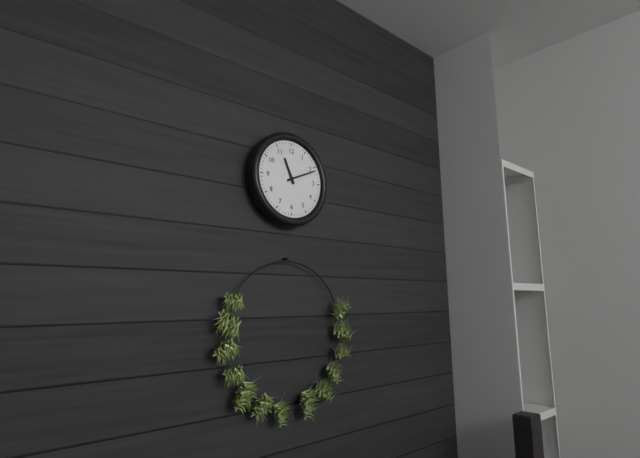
h=11 m=11
